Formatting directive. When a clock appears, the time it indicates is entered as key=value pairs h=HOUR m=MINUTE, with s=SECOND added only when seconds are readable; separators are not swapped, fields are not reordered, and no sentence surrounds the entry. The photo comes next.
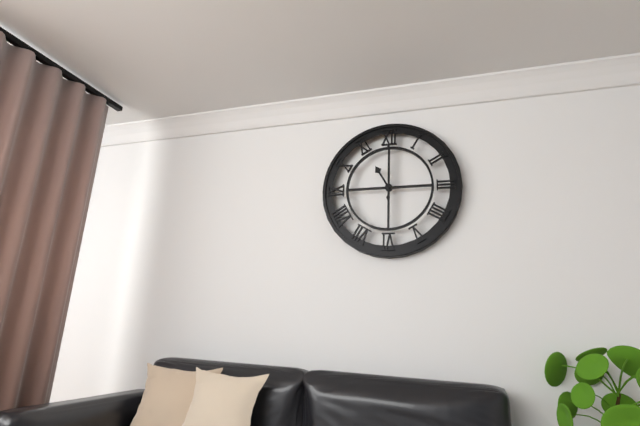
h=11 m=0
